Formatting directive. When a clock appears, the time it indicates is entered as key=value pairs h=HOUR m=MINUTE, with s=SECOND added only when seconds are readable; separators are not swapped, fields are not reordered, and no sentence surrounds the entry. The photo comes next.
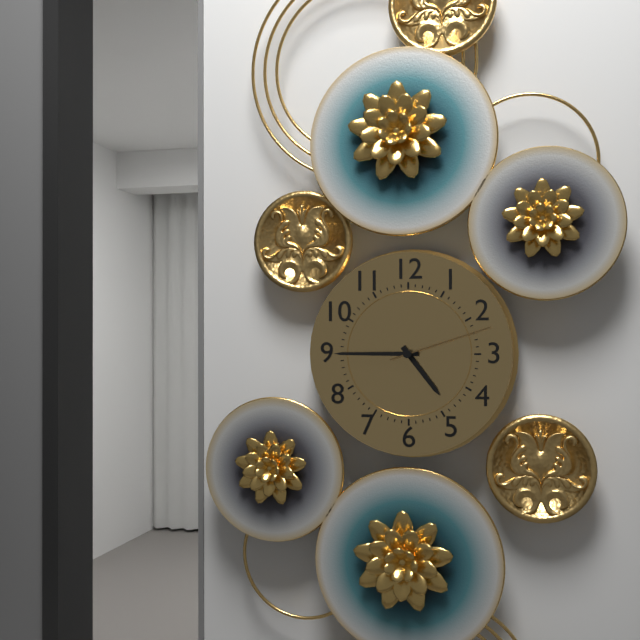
h=4 m=45 s=12
